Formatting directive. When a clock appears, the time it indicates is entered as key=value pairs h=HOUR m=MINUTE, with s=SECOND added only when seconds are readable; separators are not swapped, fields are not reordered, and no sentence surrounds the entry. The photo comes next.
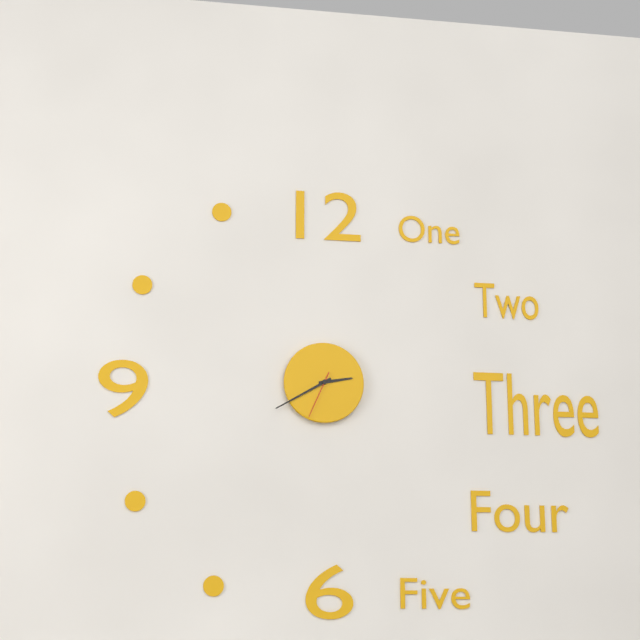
h=2 m=40
